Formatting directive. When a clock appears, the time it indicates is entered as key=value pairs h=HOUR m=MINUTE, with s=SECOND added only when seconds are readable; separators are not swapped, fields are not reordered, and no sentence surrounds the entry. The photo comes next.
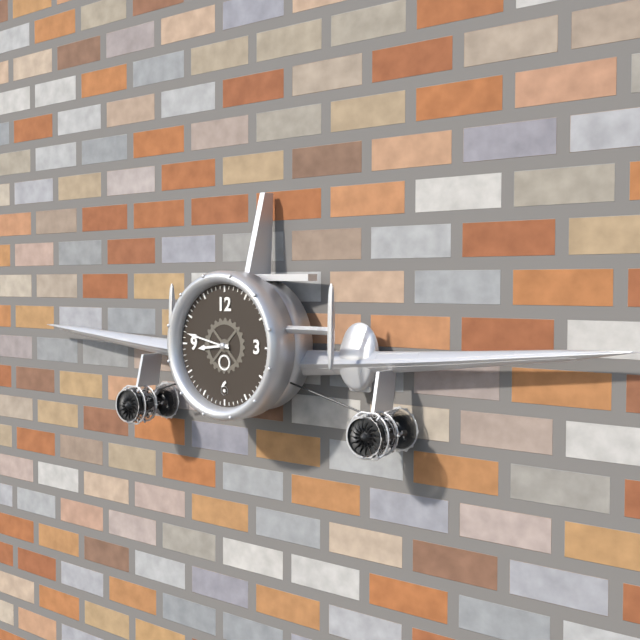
h=8 m=47
